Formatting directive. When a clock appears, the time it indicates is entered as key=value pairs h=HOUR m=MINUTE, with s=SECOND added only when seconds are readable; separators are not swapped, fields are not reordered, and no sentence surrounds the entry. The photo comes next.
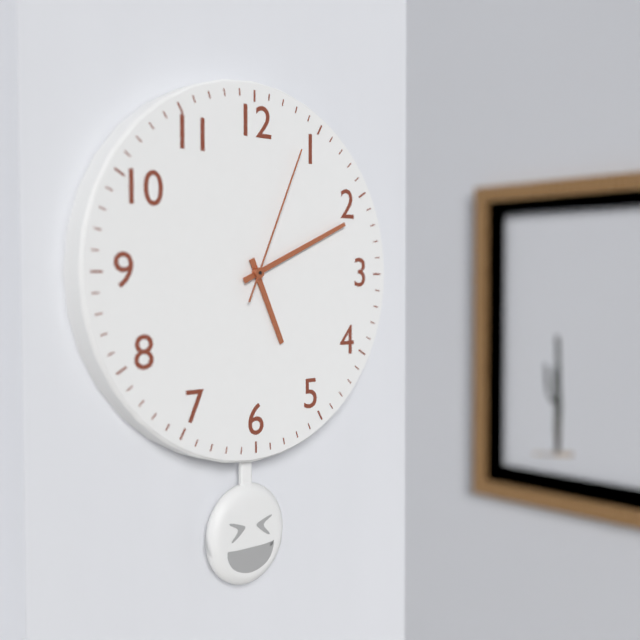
h=5 m=11 s=4
